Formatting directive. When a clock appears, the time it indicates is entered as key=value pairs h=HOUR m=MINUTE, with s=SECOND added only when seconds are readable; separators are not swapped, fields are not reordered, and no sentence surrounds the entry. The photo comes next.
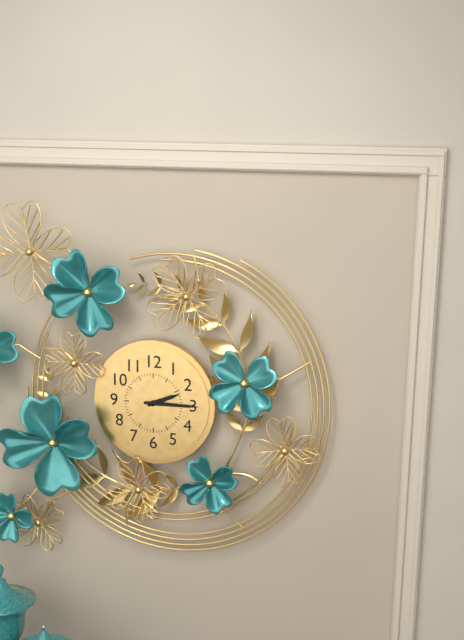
h=2 m=15
